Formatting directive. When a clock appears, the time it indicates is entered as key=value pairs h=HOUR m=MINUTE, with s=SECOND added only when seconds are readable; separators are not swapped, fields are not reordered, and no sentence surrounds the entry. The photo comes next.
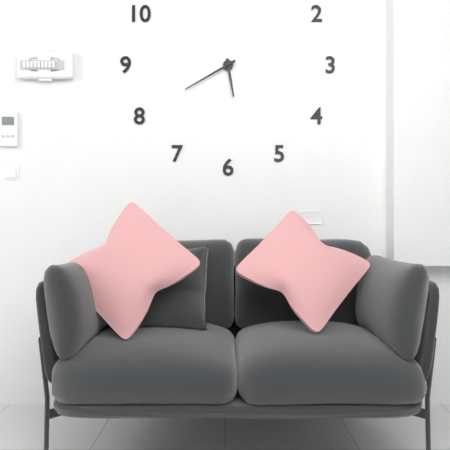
h=5 m=40
